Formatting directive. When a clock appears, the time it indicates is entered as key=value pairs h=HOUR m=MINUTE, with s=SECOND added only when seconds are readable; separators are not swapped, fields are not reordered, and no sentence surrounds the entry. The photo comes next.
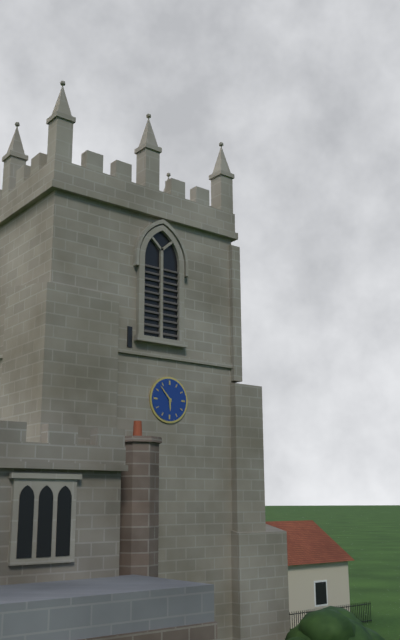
h=5 m=53
